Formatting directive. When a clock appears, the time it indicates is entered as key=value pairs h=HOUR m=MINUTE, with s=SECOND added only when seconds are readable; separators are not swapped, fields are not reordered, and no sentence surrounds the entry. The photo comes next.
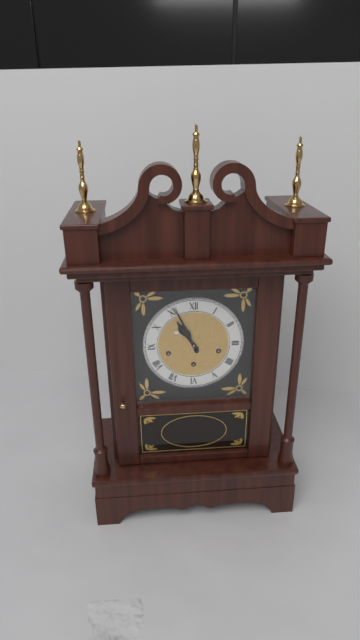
h=10 m=56
